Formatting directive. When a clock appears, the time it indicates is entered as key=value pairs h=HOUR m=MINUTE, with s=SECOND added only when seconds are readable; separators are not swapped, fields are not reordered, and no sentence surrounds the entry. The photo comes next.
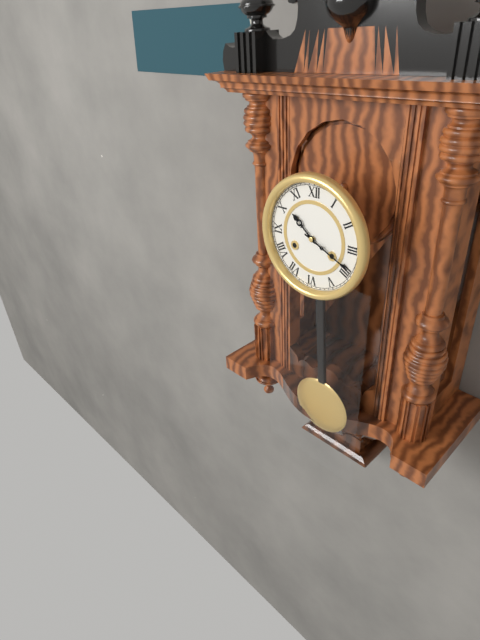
h=10 m=19
